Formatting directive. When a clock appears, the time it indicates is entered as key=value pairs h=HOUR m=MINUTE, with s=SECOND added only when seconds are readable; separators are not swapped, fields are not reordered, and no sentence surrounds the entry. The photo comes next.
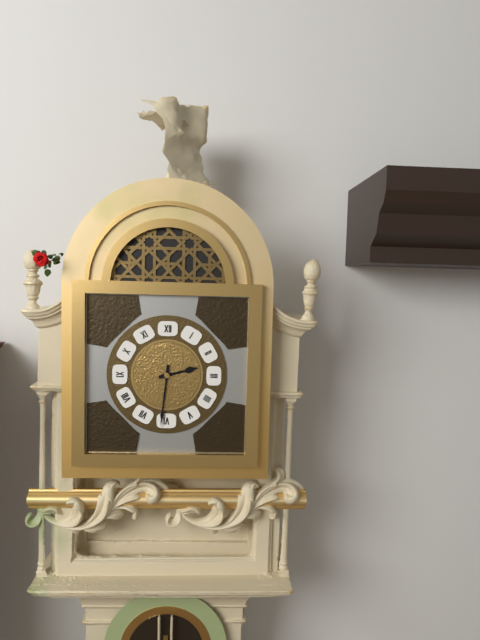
h=2 m=31
